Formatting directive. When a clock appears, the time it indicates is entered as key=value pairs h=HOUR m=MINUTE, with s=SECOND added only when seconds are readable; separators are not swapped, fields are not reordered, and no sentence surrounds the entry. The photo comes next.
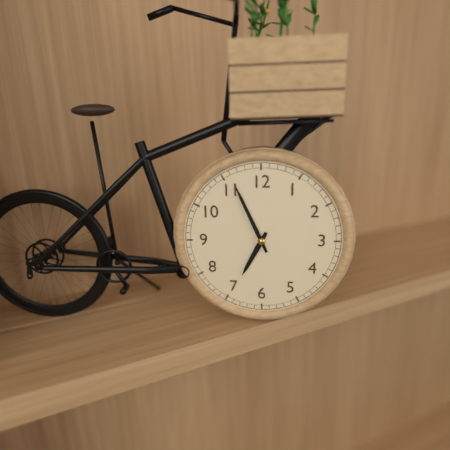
h=6 m=56
